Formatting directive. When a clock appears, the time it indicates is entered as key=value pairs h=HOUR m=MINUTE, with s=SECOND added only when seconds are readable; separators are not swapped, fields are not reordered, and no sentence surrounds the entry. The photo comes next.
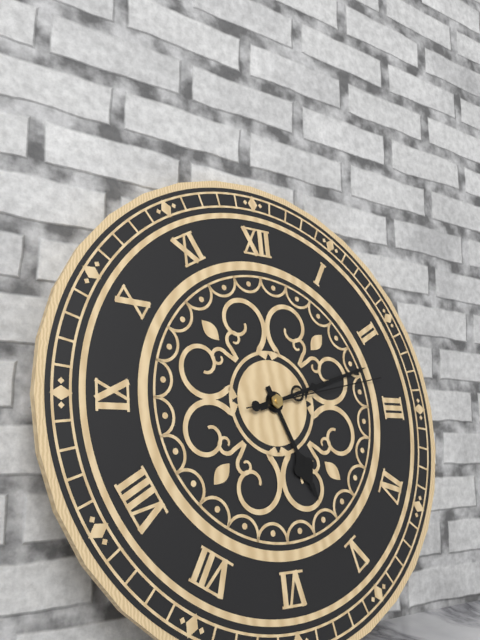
h=5 m=12 s=13
